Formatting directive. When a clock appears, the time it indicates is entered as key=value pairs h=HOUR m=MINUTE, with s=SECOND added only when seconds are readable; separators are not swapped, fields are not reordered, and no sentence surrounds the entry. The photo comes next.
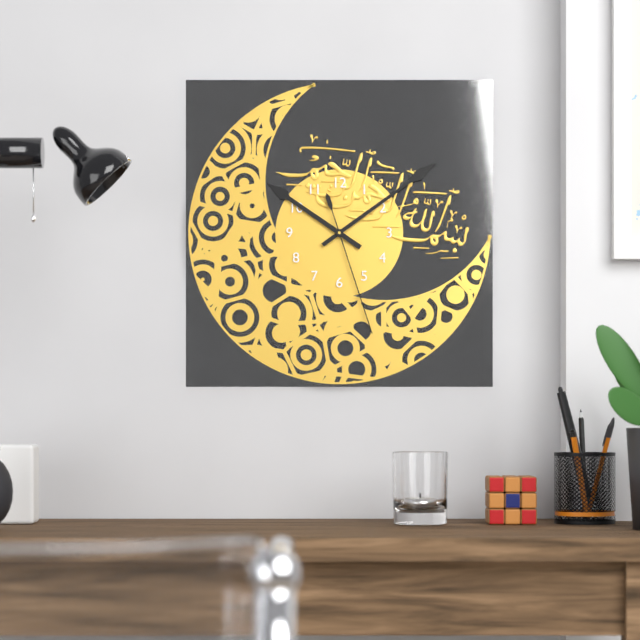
h=10 m=9 s=27
